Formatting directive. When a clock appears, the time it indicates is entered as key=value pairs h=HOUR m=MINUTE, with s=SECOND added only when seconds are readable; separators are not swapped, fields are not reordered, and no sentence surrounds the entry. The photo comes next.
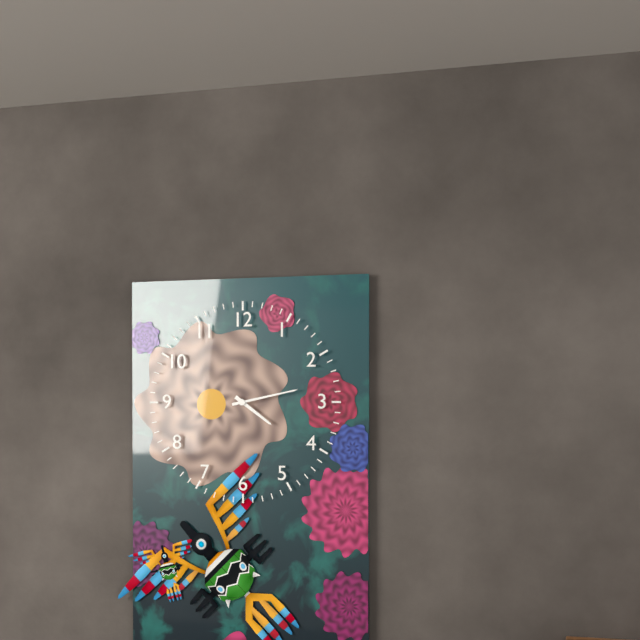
h=4 m=13
